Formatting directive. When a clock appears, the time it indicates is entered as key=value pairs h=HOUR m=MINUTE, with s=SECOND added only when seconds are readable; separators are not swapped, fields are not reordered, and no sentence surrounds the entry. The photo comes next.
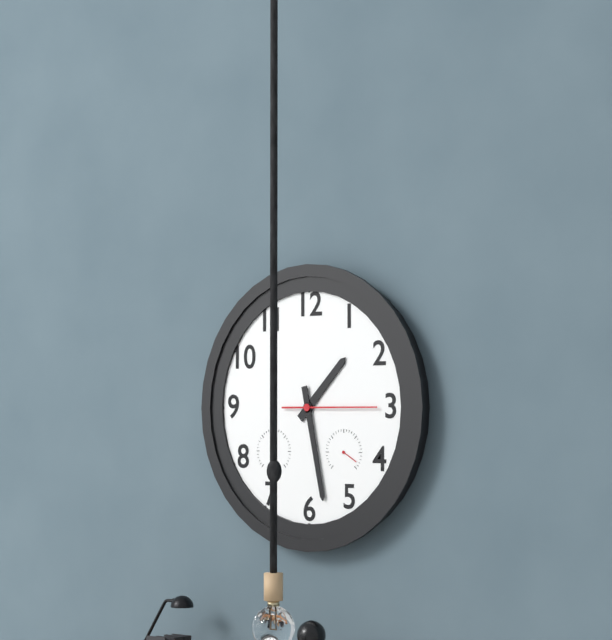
h=1 m=28 s=15
